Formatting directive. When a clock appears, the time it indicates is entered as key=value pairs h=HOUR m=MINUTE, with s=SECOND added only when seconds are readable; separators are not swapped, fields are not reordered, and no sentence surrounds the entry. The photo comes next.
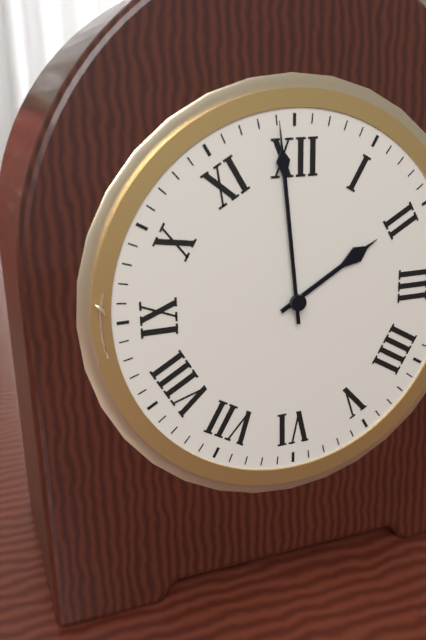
h=1 m=59
